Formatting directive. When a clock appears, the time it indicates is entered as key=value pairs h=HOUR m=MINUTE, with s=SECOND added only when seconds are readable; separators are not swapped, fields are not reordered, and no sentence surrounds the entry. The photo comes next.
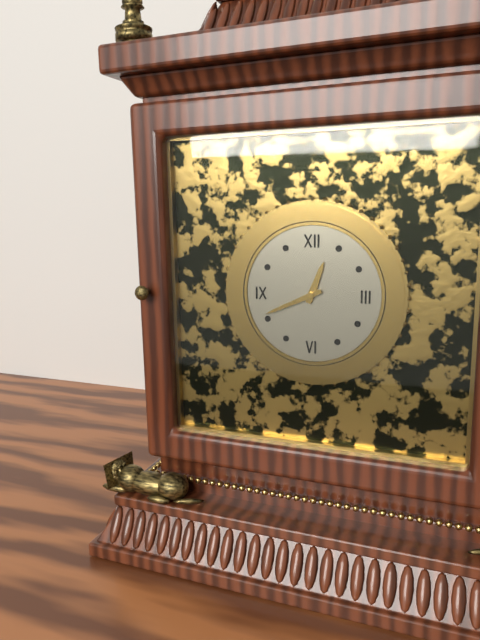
h=12 m=41
